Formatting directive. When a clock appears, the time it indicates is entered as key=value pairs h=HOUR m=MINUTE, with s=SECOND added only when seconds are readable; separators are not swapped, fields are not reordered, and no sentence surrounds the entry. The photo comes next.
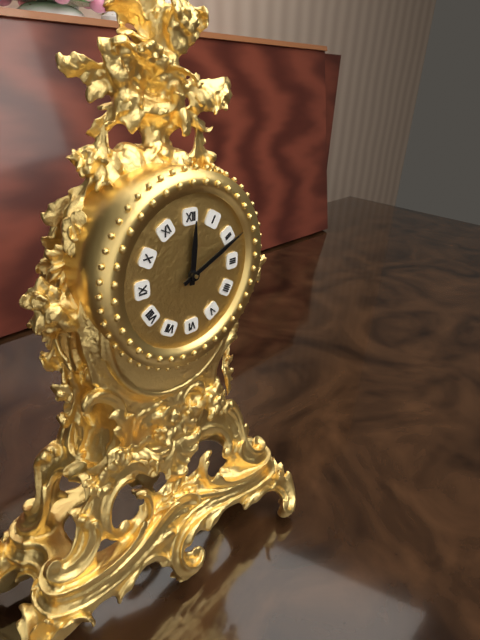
h=12 m=11
